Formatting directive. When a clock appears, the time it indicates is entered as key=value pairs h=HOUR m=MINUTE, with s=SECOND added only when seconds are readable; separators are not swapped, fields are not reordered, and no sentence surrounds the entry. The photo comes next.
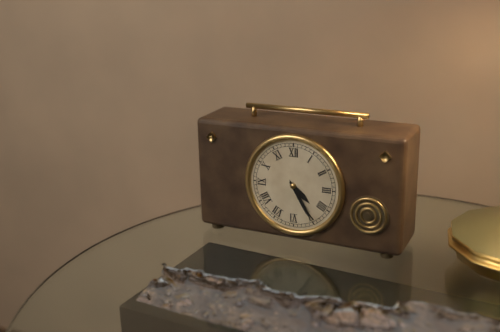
h=4 m=25
